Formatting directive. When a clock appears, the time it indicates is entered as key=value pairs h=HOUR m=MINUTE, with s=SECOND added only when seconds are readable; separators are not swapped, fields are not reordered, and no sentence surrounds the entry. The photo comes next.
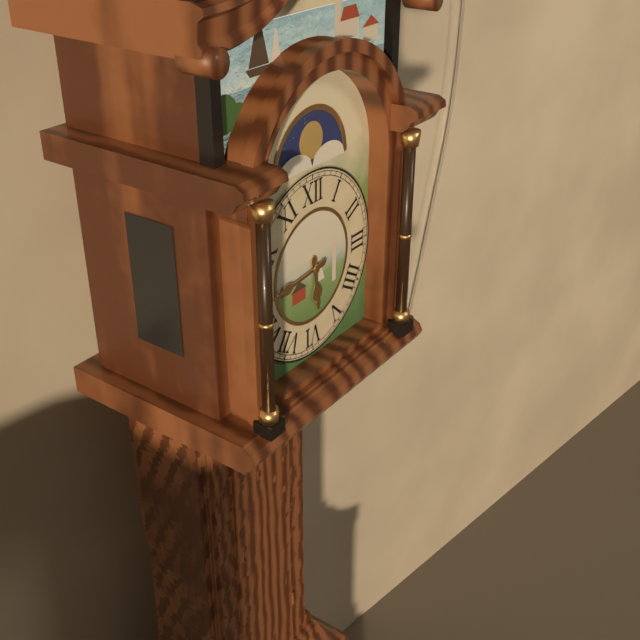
h=5 m=44
